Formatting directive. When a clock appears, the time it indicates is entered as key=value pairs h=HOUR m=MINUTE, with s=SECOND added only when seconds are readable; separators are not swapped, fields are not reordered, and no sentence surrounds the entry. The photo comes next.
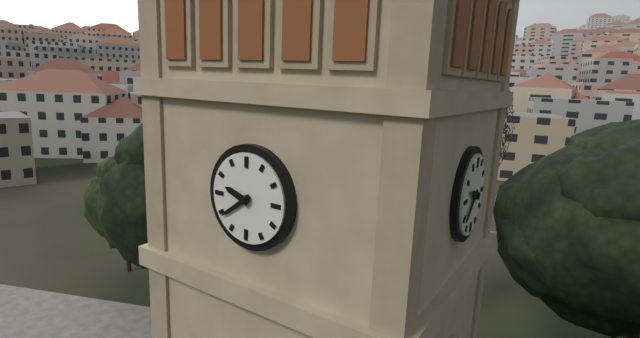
h=9 m=39
